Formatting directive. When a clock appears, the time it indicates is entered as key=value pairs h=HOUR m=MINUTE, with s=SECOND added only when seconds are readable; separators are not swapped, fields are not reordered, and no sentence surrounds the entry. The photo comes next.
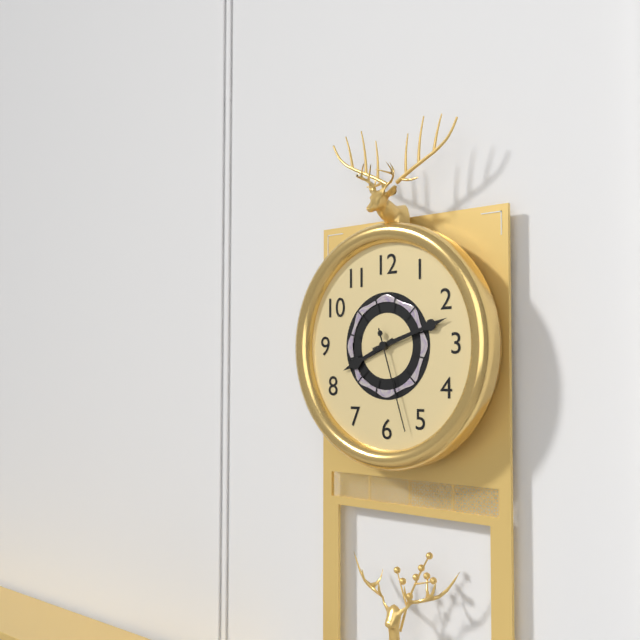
h=8 m=12 s=27
